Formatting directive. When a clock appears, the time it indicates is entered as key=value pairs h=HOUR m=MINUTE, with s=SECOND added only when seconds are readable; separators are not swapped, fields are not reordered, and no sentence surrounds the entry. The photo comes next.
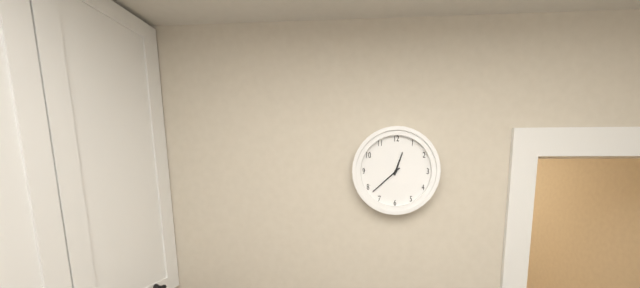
h=12 m=38
